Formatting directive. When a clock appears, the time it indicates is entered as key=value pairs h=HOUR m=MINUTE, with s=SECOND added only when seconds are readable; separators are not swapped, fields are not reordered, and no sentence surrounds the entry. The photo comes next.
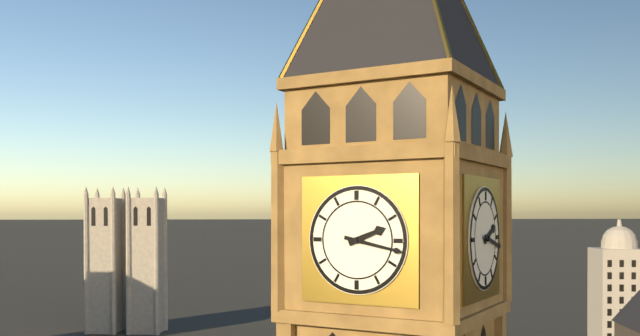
h=2 m=17
